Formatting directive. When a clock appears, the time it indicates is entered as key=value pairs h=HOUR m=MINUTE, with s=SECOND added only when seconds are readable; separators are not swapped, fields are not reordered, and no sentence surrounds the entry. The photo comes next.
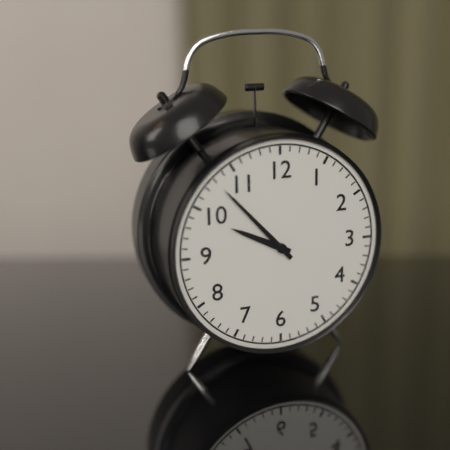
h=9 m=53
